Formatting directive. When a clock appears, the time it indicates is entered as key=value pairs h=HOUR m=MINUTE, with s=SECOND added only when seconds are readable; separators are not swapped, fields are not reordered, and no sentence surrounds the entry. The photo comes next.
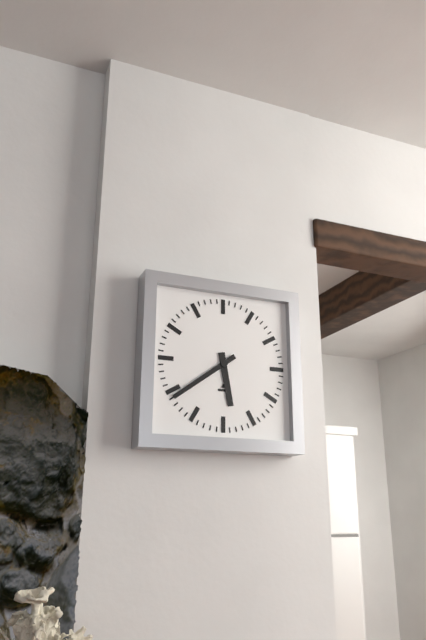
h=5 m=39
